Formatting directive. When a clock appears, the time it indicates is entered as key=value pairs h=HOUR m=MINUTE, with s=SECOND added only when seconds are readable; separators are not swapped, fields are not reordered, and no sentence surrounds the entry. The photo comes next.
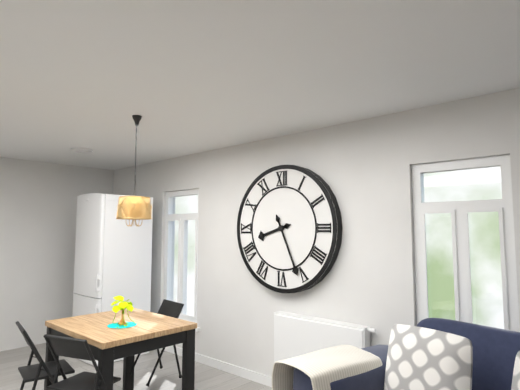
h=8 m=26
